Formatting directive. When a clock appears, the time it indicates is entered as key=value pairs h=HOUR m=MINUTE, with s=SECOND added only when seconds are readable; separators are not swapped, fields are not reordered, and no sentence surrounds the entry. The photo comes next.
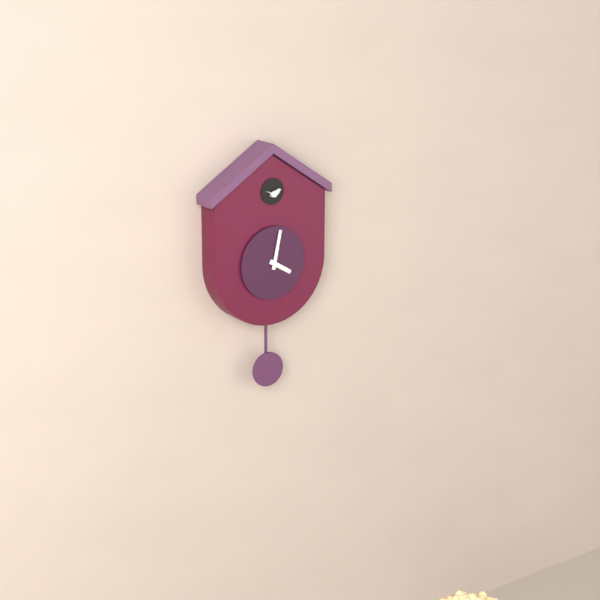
h=4 m=2
